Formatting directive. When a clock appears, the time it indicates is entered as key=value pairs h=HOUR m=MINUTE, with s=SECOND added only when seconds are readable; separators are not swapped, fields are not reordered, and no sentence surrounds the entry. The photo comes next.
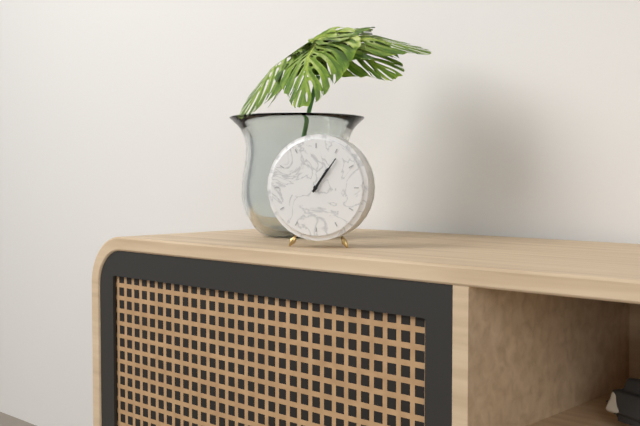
h=1 m=6
